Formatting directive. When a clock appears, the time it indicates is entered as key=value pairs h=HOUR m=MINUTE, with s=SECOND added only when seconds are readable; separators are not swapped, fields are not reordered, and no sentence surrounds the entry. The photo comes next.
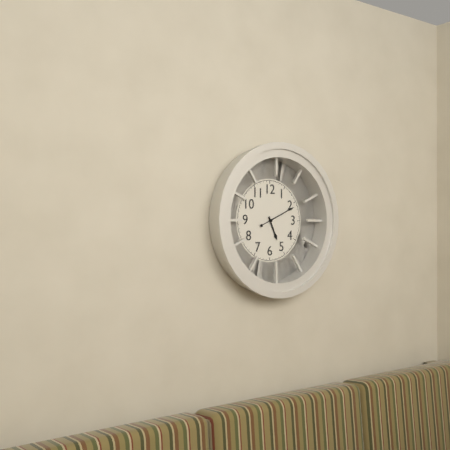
h=5 m=11
